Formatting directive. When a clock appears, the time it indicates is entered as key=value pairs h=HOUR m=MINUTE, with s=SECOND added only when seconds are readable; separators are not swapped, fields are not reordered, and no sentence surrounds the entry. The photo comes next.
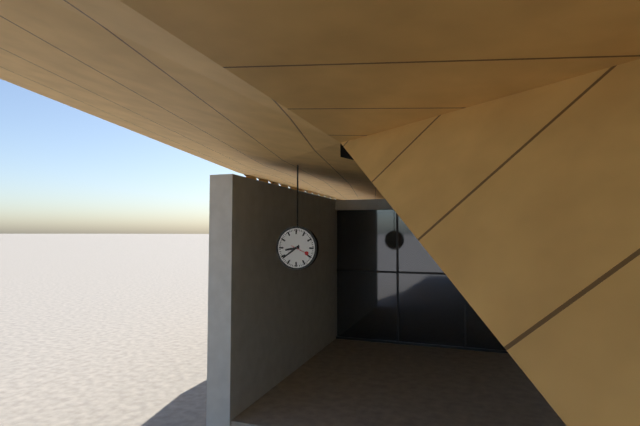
h=8 m=39
